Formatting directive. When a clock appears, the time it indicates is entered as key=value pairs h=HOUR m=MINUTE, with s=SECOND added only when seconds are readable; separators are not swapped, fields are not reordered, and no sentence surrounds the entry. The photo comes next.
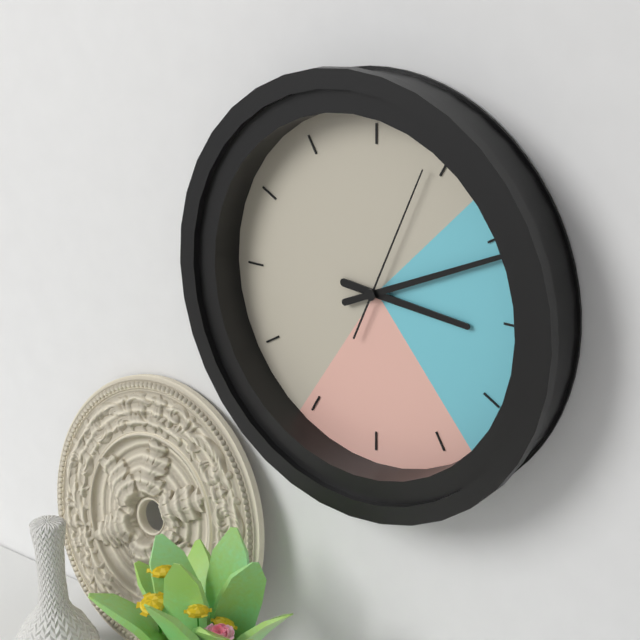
h=3 m=11 s=4
